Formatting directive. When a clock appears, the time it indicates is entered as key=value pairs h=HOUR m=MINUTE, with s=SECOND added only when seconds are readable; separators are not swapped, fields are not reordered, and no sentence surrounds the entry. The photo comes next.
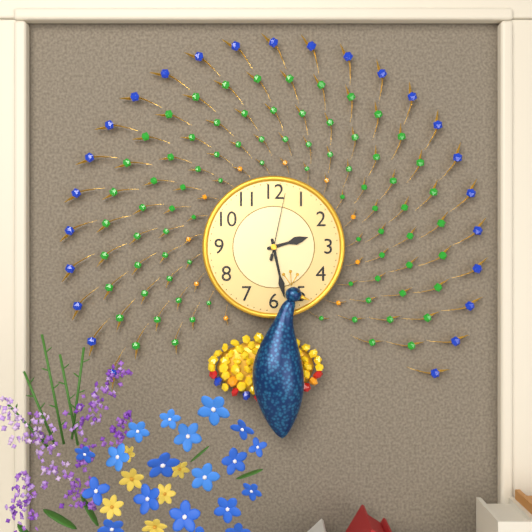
h=2 m=28 s=2
